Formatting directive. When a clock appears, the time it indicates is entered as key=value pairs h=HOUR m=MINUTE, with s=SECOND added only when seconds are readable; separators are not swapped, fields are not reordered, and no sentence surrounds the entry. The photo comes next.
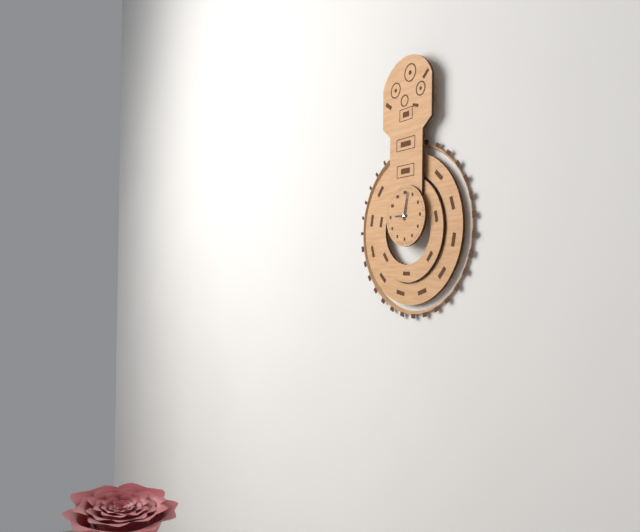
h=9 m=2
